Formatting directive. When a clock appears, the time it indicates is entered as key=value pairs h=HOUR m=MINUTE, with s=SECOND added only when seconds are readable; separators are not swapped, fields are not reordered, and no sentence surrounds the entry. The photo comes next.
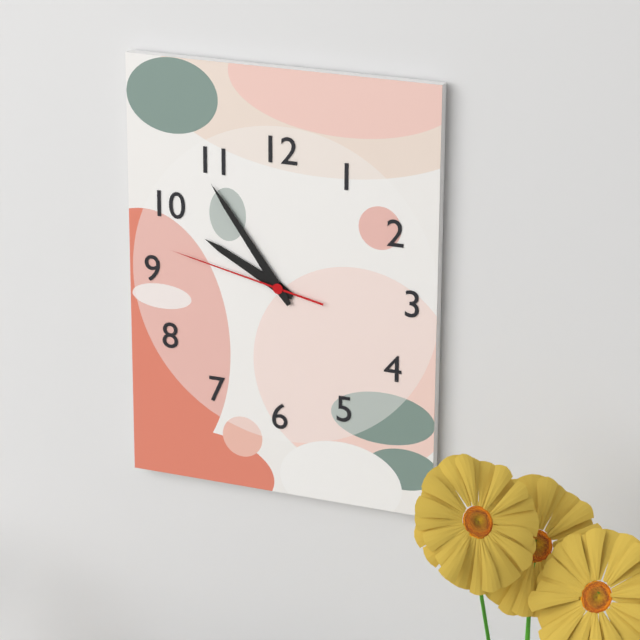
h=9 m=54 s=47
